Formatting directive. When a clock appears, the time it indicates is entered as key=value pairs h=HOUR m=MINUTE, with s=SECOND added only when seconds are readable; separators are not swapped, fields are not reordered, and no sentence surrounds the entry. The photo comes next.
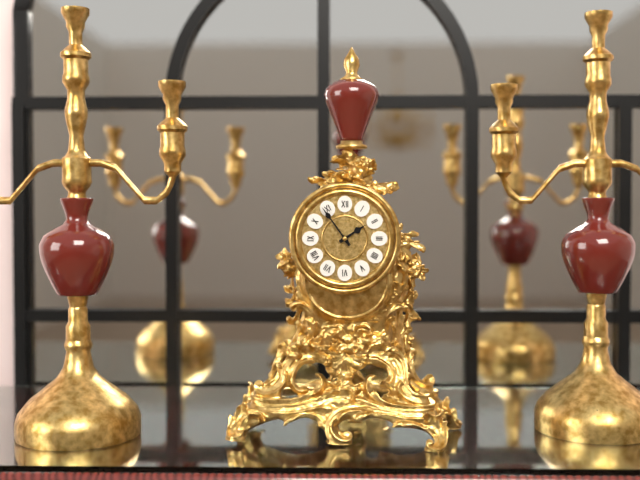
h=1 m=54
